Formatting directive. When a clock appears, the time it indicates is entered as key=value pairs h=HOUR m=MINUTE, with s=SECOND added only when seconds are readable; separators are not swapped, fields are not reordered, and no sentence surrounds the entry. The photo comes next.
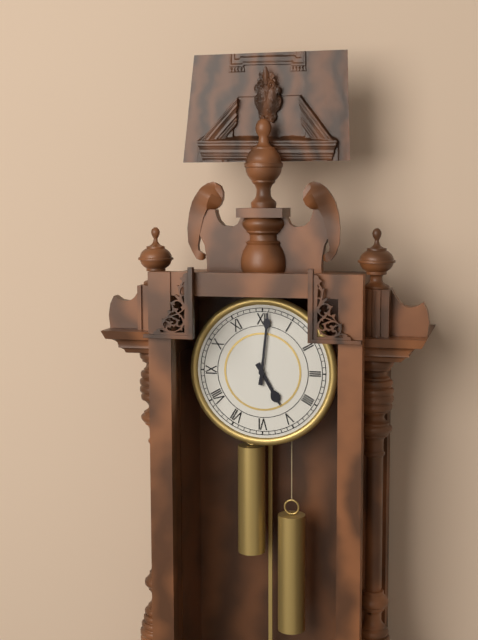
h=5 m=1
